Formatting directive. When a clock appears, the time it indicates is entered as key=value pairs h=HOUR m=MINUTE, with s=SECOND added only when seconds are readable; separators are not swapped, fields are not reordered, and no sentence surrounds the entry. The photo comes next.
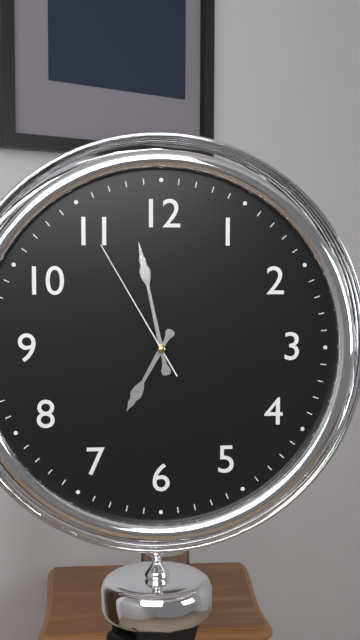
h=6 m=58 s=55
